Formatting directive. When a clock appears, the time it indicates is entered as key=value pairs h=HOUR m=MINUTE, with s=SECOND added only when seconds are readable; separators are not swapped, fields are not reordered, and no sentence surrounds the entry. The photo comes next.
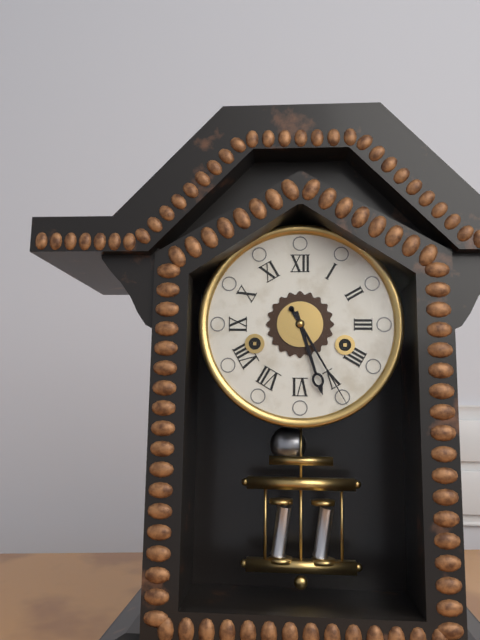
h=5 m=25
